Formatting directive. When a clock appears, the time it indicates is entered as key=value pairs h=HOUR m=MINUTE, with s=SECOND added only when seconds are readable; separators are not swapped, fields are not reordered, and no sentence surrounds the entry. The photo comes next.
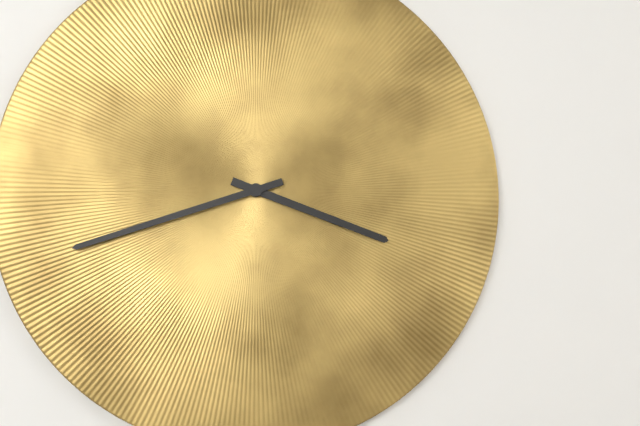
h=3 m=42
